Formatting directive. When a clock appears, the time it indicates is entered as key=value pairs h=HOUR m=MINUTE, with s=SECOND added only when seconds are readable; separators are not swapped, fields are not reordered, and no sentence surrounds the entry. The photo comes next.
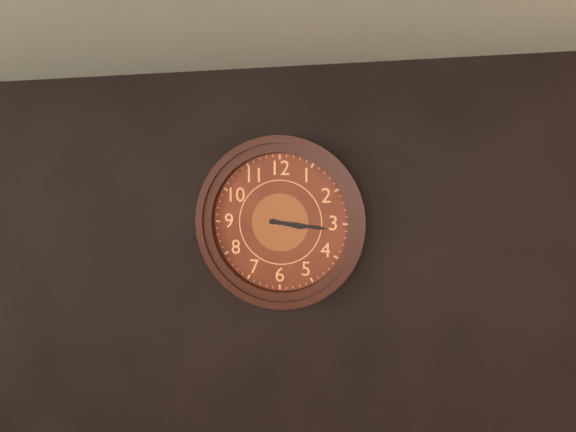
h=3 m=16
